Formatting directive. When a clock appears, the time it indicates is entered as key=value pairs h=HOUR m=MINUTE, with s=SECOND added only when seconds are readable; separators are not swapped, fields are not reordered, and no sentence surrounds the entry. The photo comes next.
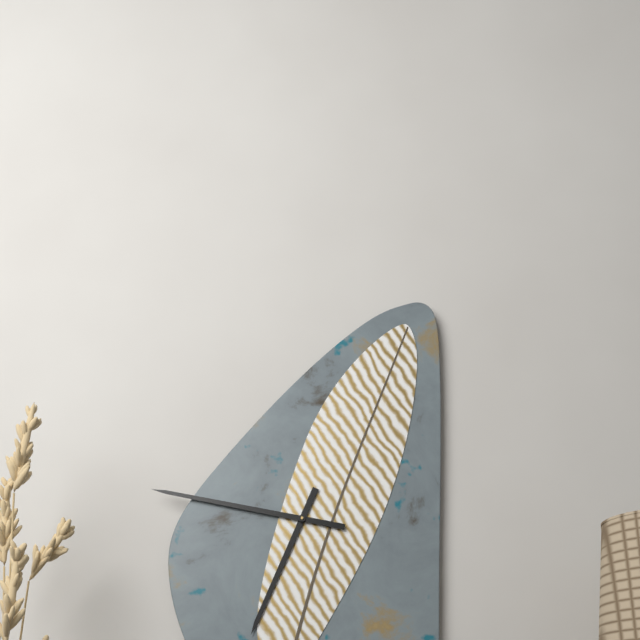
h=6 m=47
